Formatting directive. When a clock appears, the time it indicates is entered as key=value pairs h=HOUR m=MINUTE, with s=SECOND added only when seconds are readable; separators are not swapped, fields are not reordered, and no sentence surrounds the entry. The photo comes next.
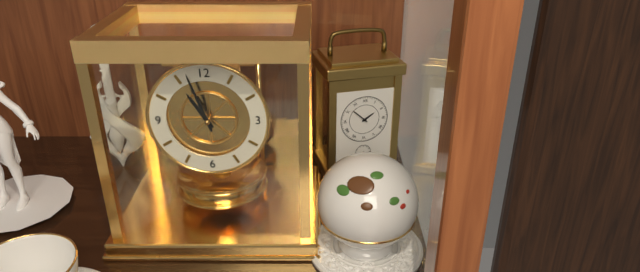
h=10 m=57
